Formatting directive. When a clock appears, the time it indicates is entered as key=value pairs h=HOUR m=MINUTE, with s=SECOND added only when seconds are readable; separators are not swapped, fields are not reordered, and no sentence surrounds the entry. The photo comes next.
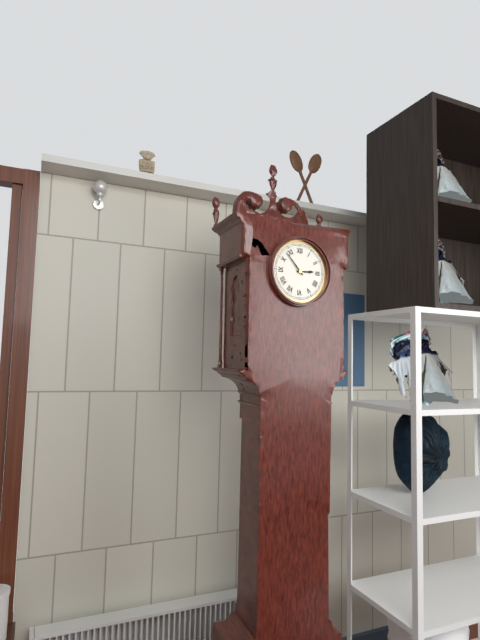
h=2 m=53
